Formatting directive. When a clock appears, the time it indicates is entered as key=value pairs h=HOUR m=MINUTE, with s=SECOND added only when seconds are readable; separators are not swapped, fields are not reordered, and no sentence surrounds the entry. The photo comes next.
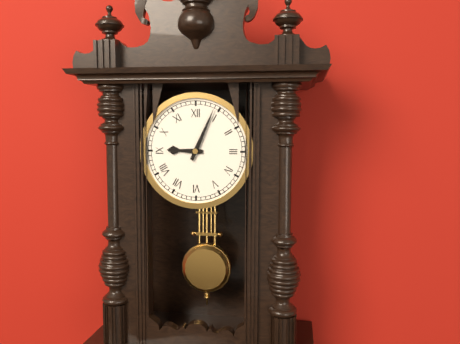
h=9 m=4
